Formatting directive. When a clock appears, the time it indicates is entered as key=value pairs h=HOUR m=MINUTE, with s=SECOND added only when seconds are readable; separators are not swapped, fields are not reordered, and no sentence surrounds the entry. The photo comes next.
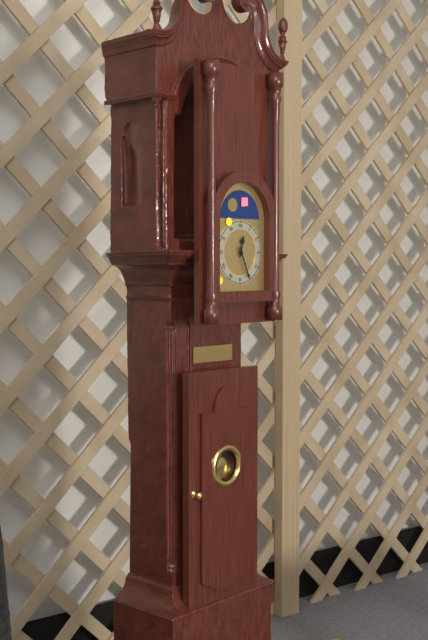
h=12 m=26
